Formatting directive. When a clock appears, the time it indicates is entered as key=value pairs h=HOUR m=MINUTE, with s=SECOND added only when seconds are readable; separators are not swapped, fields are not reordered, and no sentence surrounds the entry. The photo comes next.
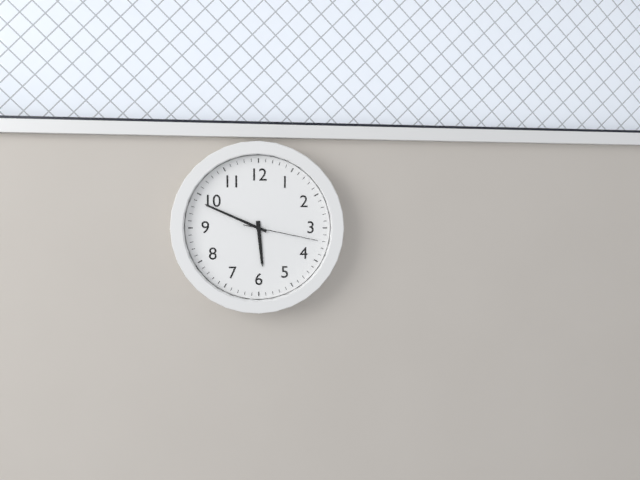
h=5 m=49 s=17
